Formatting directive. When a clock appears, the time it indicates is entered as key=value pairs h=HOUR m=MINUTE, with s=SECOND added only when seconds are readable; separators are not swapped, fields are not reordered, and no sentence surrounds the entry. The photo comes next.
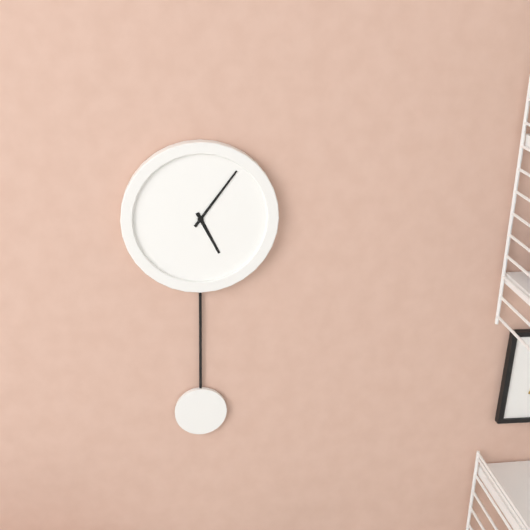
h=5 m=6
